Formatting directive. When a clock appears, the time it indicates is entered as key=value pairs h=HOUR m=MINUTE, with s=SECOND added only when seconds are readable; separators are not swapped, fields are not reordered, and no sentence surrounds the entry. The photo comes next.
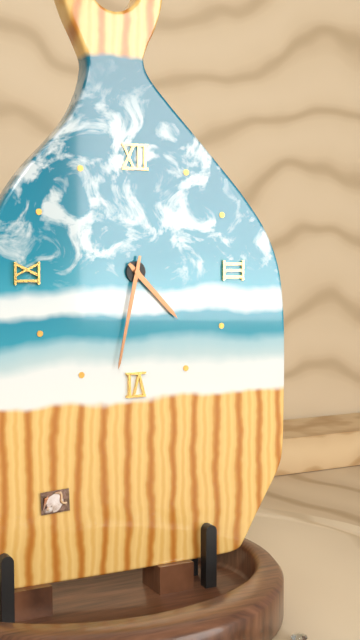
h=4 m=32
